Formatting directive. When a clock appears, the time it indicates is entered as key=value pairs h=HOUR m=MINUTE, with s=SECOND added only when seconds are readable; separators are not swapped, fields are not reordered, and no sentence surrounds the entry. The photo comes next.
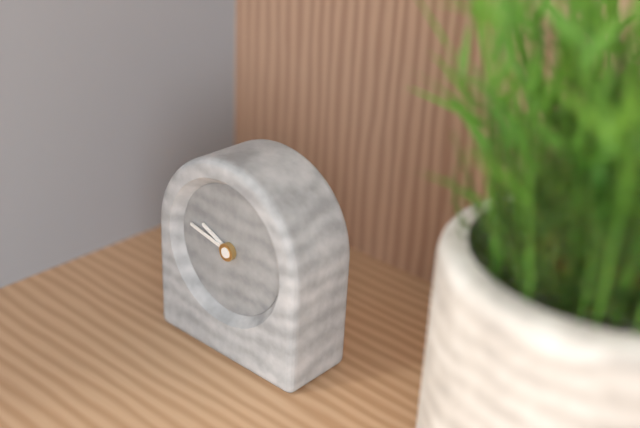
h=9 m=47
